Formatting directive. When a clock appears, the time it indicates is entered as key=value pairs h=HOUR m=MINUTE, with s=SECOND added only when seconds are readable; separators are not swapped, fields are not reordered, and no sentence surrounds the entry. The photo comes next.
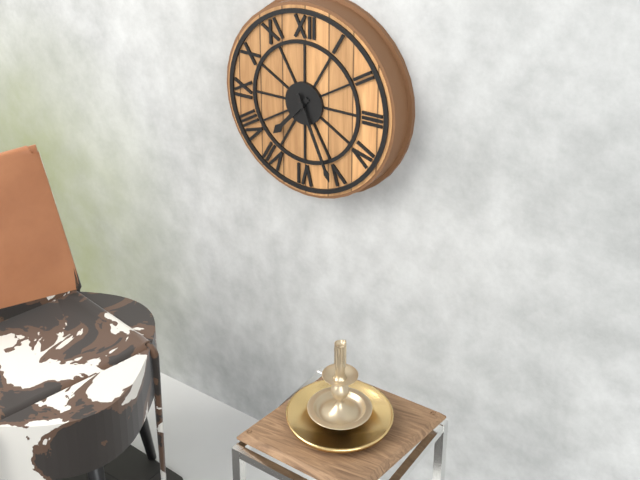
h=7 m=26
